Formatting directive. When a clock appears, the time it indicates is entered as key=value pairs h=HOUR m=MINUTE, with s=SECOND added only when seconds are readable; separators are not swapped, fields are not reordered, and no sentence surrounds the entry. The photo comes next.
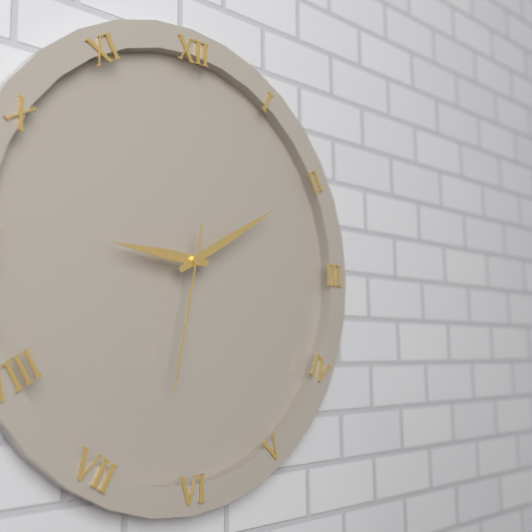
h=9 m=10 s=32
